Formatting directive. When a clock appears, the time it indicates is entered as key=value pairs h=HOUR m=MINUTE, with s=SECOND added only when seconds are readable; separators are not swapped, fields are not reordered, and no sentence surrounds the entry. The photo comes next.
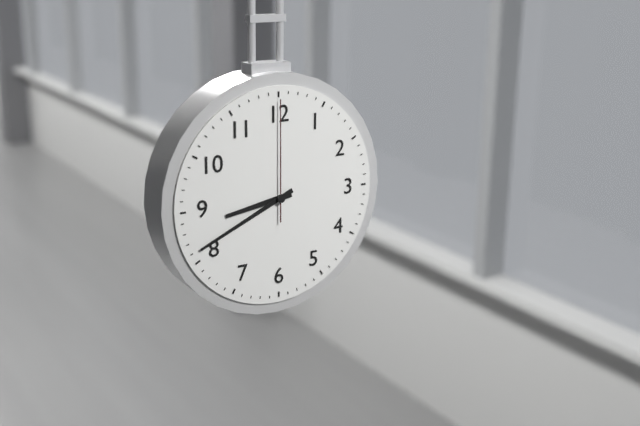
h=8 m=41 s=0
